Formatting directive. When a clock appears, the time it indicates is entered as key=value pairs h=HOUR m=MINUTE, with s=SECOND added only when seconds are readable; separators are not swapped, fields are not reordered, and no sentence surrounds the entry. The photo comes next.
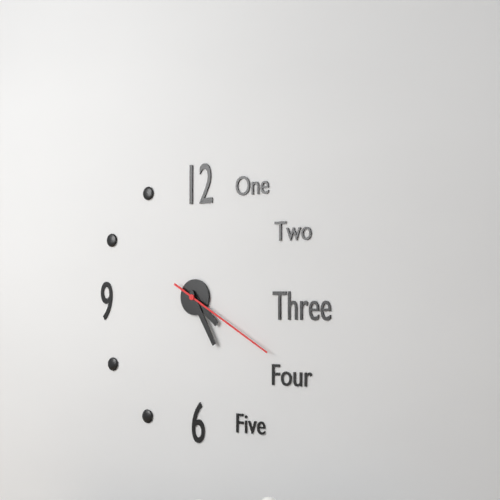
h=4 m=25 s=20
